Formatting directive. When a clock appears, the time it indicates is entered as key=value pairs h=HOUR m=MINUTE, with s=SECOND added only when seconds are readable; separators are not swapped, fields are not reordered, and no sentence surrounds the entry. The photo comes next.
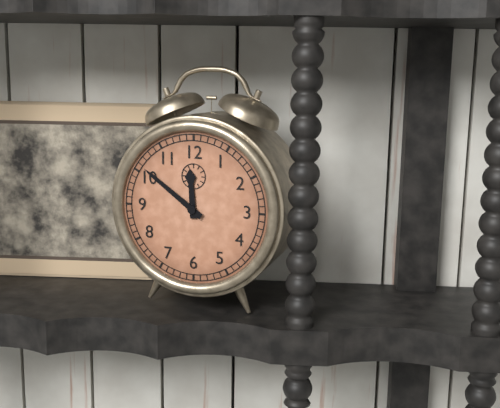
h=11 m=51
